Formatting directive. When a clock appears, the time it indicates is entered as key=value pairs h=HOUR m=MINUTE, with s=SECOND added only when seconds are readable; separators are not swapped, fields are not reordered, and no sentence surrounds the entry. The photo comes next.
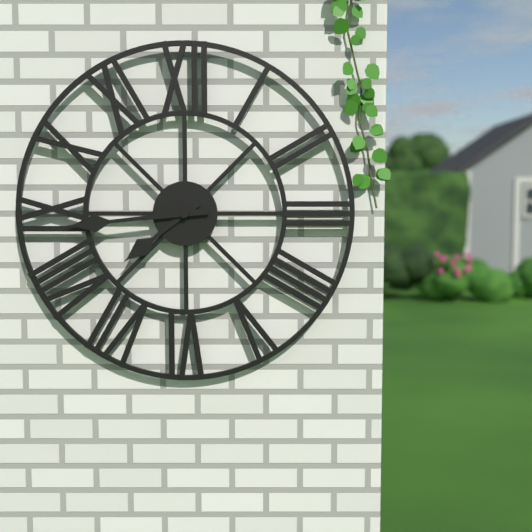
h=7 m=44
